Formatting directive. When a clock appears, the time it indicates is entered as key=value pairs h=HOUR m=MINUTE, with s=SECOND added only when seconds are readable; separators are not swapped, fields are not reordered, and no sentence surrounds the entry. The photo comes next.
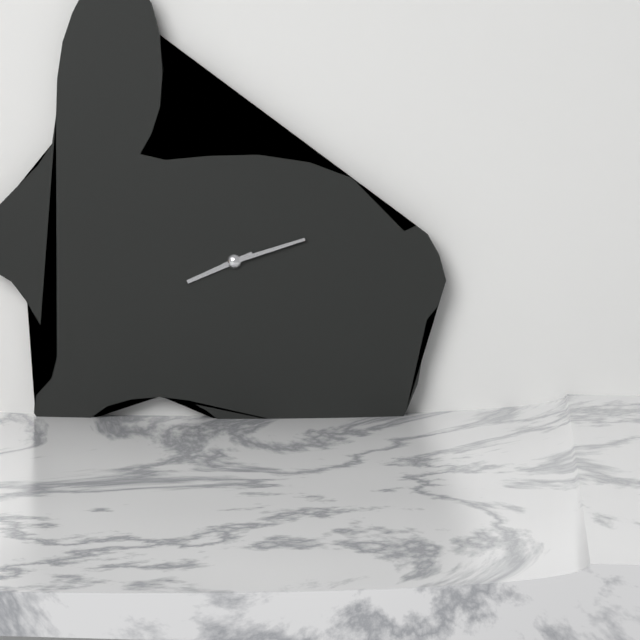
h=8 m=12
